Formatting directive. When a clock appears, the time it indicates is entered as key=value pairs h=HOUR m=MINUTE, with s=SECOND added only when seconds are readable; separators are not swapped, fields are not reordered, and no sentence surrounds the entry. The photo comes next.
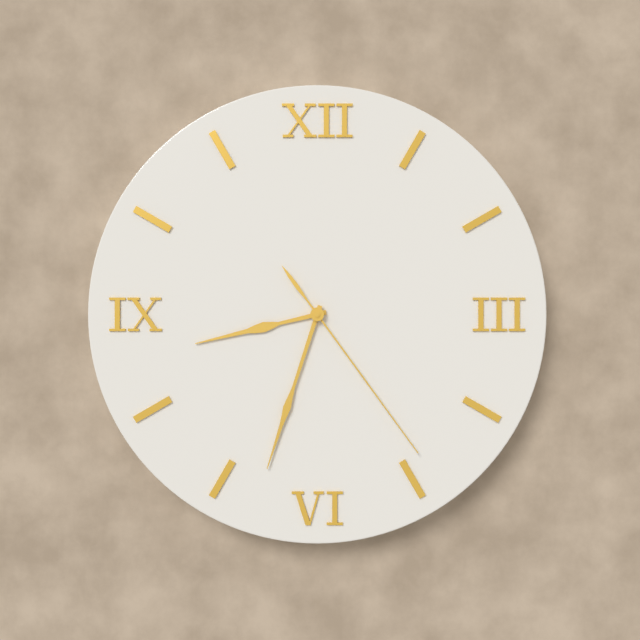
h=8 m=33 s=24
